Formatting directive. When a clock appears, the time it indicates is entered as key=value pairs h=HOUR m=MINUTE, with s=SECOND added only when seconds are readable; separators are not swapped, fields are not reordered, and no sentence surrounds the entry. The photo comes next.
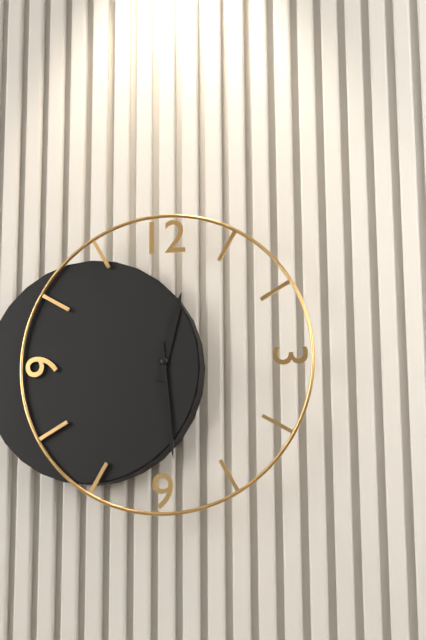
h=12 m=29
